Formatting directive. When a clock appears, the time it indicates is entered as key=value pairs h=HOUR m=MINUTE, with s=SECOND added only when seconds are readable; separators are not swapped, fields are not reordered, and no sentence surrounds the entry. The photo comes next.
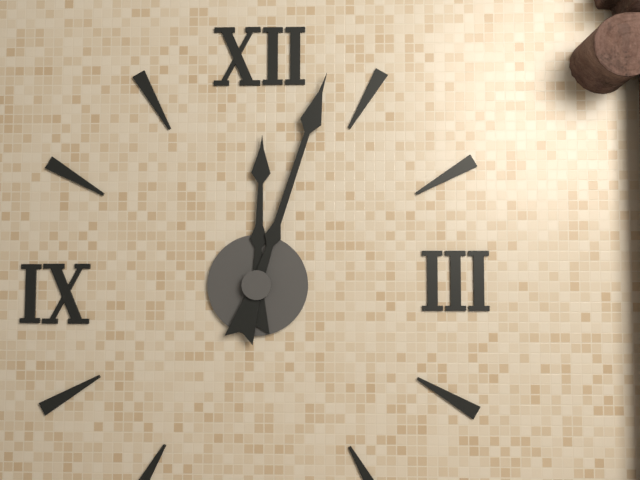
h=12 m=3
